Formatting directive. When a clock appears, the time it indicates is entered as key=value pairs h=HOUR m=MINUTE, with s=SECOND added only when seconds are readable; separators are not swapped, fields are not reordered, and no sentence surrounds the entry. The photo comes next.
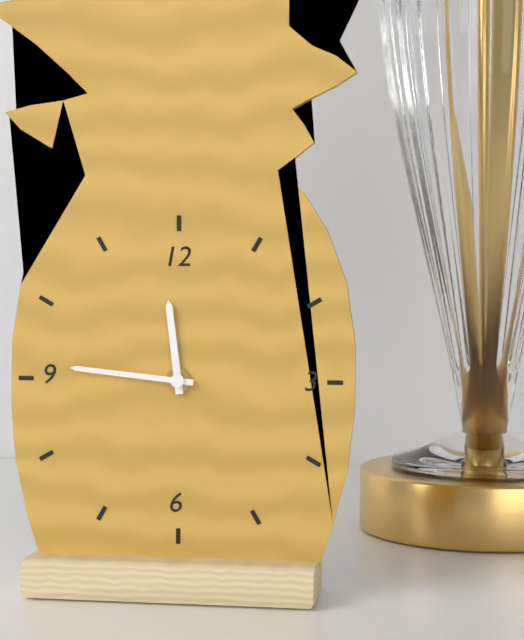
h=11 m=46
